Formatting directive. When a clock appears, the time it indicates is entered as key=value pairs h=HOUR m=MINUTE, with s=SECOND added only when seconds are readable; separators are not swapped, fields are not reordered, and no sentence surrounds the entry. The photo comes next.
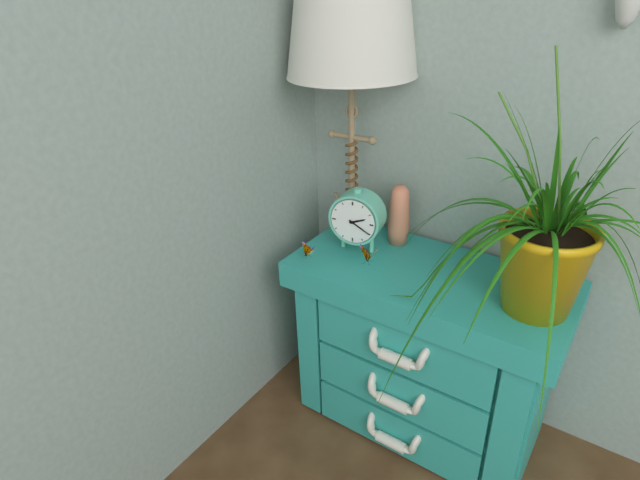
h=2 m=20
